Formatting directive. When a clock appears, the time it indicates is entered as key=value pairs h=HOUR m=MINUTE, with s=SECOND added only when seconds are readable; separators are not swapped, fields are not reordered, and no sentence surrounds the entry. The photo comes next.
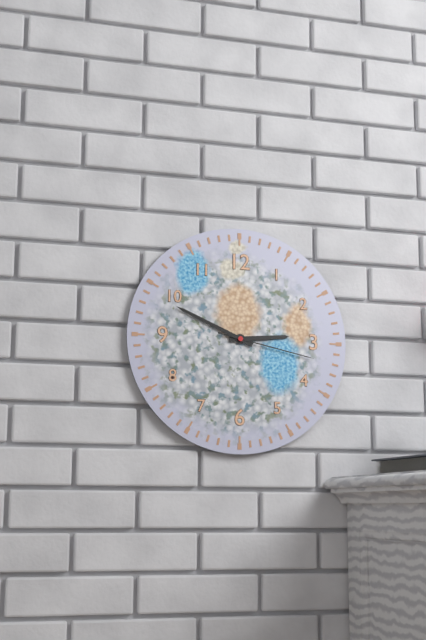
h=2 m=49 s=17
